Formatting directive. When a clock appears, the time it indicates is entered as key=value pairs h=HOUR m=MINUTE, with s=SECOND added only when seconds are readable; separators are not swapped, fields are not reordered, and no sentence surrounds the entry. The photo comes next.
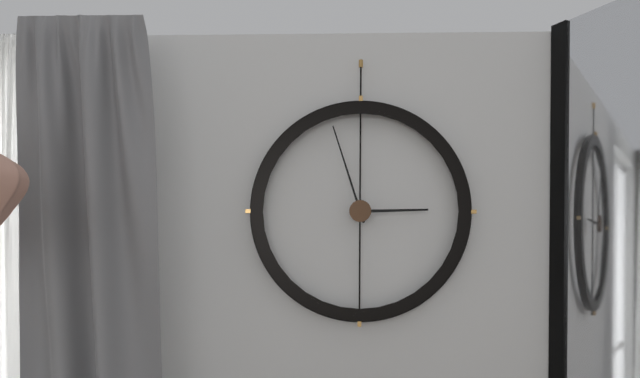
h=2 m=57
